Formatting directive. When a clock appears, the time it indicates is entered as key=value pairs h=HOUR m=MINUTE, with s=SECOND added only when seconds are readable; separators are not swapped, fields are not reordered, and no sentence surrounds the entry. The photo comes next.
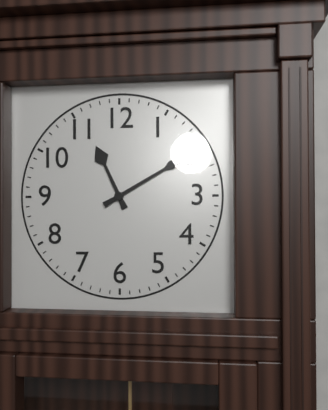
h=11 m=10
